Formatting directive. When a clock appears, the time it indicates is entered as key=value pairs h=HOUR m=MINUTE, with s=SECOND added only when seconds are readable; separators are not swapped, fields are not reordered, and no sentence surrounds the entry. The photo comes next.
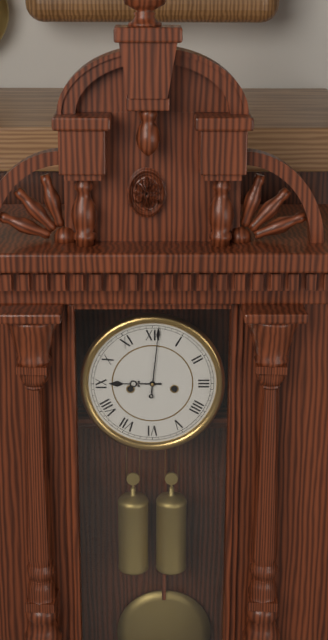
h=9 m=1
